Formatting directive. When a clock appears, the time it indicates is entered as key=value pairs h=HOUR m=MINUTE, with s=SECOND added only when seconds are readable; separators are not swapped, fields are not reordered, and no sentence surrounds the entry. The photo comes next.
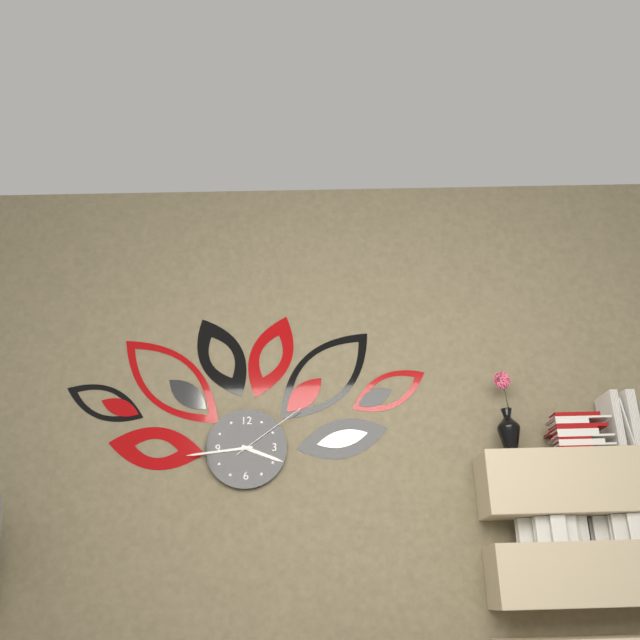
h=3 m=44 s=9
